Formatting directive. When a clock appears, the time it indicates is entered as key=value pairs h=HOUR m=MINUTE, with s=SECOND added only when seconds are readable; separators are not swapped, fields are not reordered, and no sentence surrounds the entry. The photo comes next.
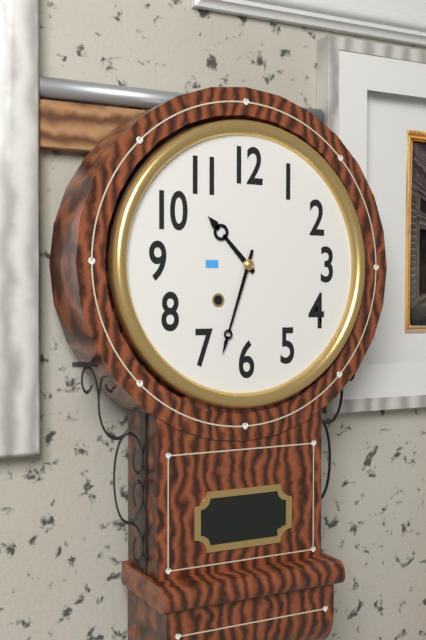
h=10 m=33
